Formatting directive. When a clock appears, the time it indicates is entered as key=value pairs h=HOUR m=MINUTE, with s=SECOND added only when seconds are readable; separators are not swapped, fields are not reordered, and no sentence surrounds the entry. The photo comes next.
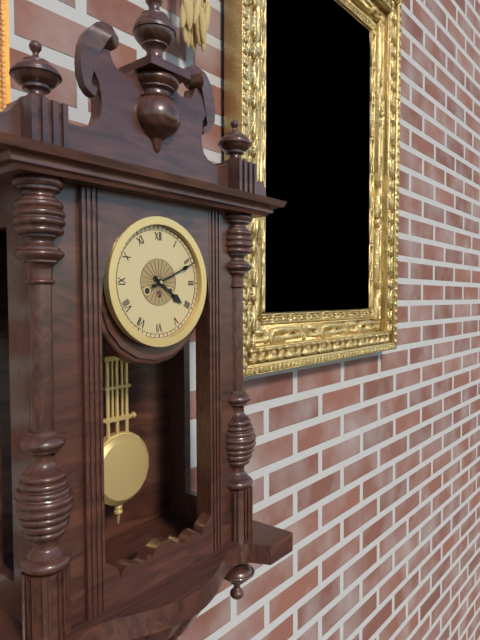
h=4 m=11
